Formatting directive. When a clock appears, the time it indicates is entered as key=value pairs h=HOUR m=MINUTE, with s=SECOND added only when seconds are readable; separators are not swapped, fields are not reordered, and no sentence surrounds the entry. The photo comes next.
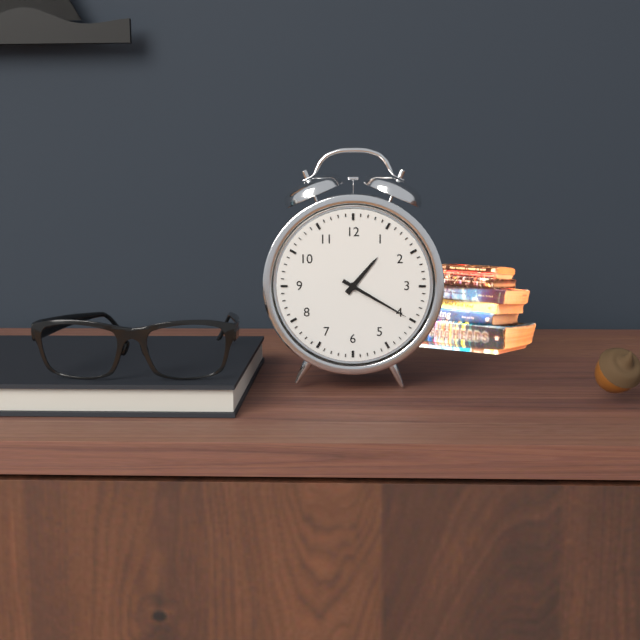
h=1 m=20
